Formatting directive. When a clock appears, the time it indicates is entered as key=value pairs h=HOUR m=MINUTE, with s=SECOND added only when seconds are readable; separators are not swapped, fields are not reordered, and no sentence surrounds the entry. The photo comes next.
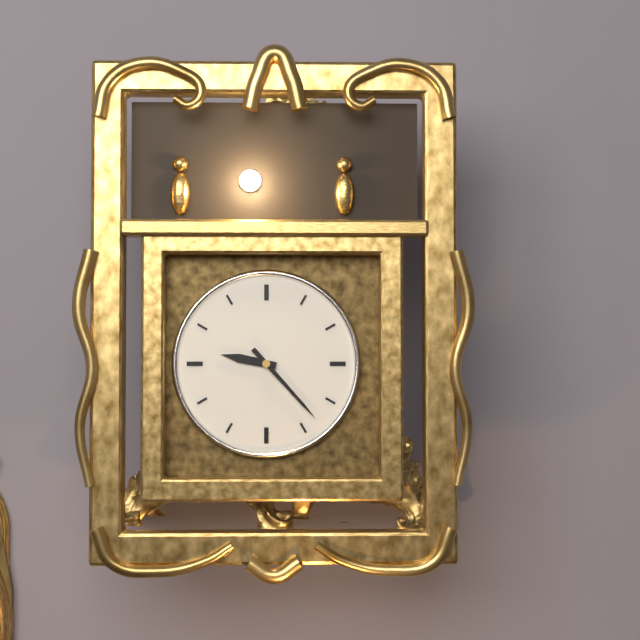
h=9 m=23
